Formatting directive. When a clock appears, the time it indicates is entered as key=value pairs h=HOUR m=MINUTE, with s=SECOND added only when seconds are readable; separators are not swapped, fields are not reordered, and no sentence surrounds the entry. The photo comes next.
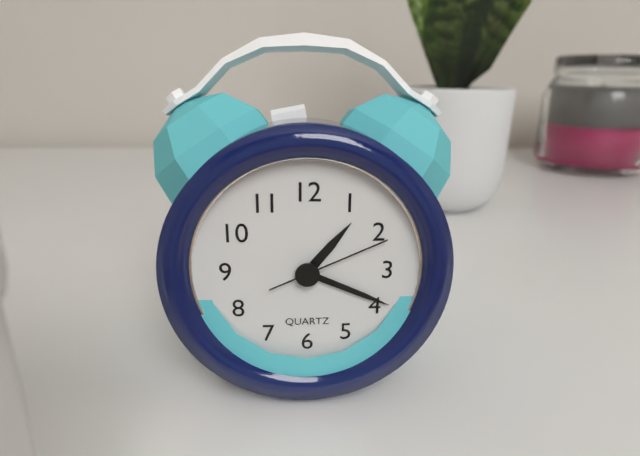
h=1 m=19 s=11
